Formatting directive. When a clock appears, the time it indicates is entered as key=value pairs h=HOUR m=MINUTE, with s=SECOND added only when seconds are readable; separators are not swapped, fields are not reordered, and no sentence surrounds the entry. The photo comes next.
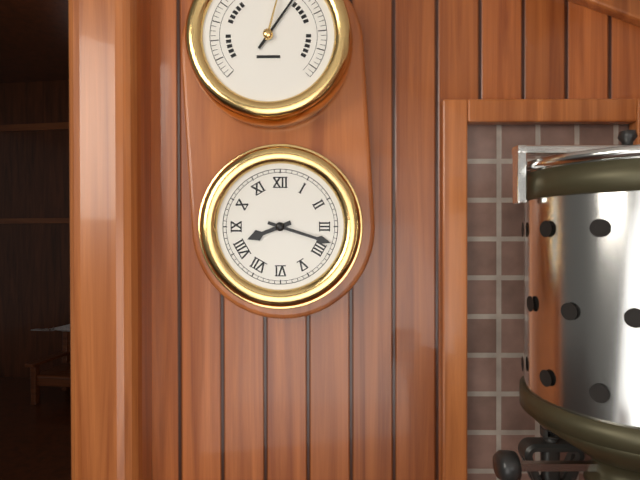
h=8 m=18
